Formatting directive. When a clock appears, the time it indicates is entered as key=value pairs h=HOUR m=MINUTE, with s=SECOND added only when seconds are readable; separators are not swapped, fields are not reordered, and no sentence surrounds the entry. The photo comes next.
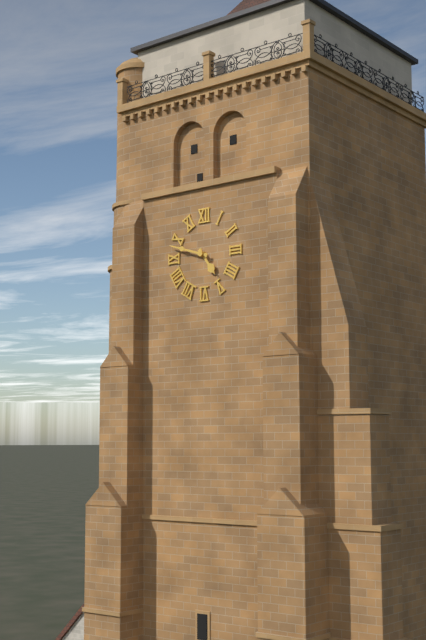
h=4 m=48
